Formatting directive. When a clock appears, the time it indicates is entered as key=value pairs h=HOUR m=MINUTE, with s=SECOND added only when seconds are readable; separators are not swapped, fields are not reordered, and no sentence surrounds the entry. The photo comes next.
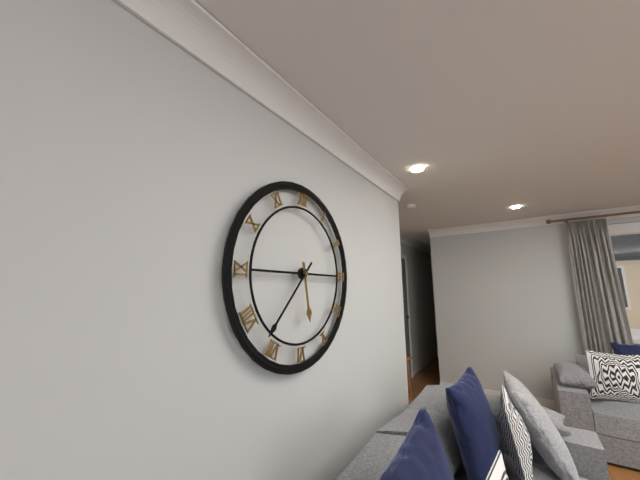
h=5 m=37
